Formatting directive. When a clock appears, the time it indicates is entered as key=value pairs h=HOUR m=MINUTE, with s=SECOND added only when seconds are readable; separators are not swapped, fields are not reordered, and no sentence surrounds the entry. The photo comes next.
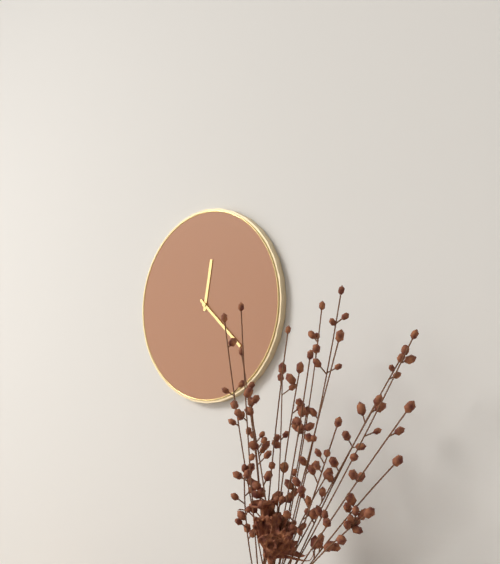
h=12 m=22
